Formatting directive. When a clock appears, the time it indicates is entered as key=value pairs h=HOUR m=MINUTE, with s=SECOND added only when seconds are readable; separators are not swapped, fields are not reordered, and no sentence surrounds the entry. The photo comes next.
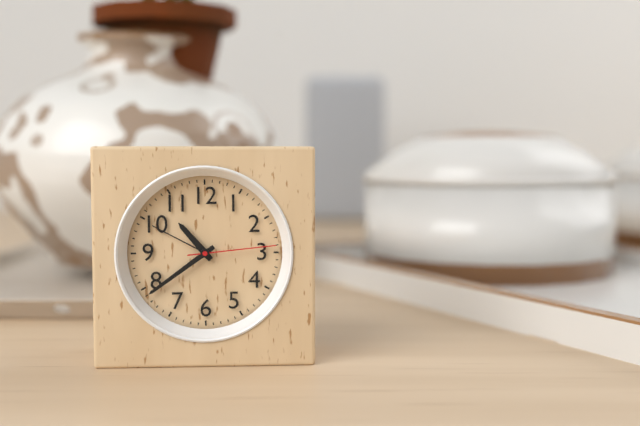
h=10 m=39 s=14
